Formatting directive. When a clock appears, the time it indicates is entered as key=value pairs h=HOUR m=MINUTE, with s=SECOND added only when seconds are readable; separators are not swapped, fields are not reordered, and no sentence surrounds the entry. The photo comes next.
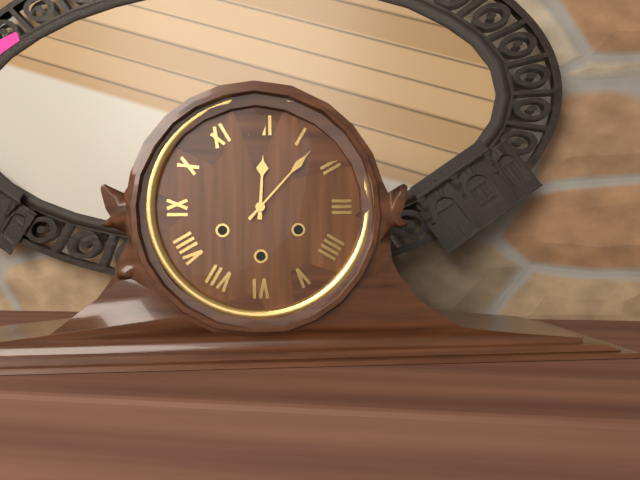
h=12 m=7
